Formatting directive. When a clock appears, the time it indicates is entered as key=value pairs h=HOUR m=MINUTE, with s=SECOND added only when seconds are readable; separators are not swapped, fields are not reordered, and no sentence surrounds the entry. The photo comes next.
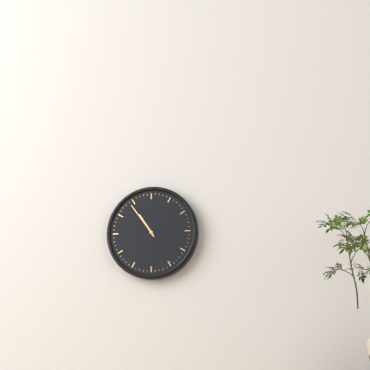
h=10 m=54
